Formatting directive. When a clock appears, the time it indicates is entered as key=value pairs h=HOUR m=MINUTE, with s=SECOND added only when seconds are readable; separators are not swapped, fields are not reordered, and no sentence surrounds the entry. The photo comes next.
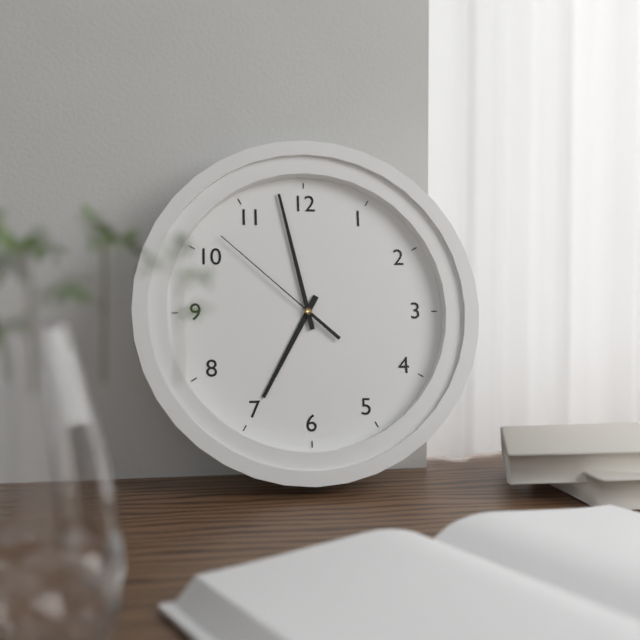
h=6 m=58 s=52
